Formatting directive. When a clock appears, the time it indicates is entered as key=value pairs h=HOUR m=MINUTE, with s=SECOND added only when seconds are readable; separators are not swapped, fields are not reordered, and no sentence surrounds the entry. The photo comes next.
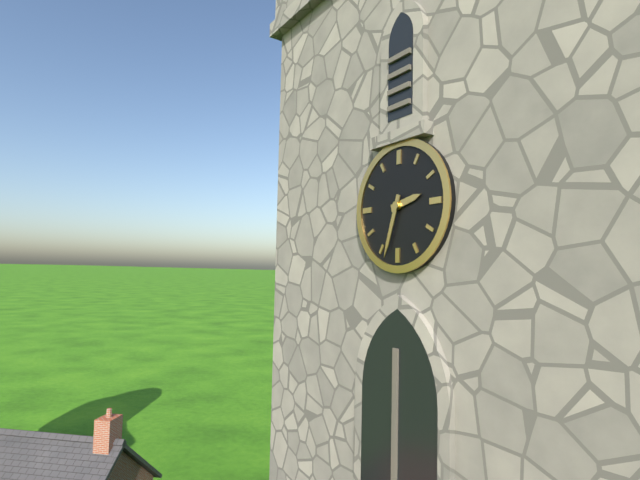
h=2 m=33
